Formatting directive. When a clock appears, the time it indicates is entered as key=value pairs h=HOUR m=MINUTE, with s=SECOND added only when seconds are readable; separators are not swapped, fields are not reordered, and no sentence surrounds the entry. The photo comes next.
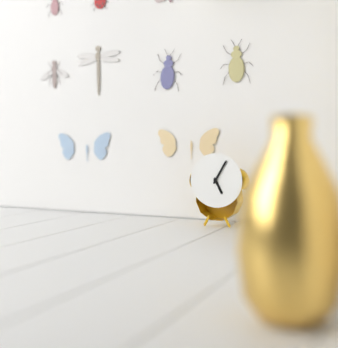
h=5 m=5
